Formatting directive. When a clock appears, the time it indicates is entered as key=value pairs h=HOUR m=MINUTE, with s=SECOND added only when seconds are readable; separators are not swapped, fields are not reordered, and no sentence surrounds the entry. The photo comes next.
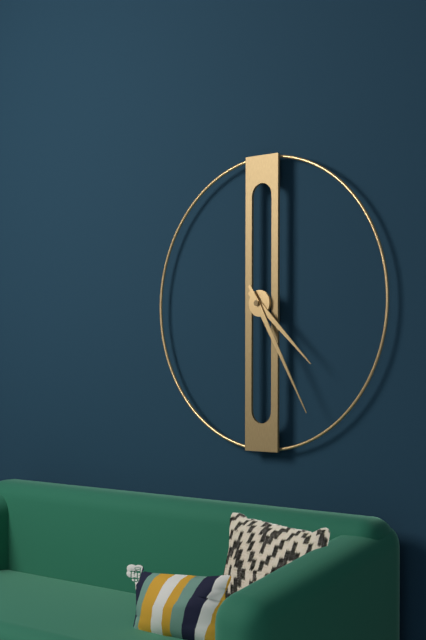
h=4 m=25
